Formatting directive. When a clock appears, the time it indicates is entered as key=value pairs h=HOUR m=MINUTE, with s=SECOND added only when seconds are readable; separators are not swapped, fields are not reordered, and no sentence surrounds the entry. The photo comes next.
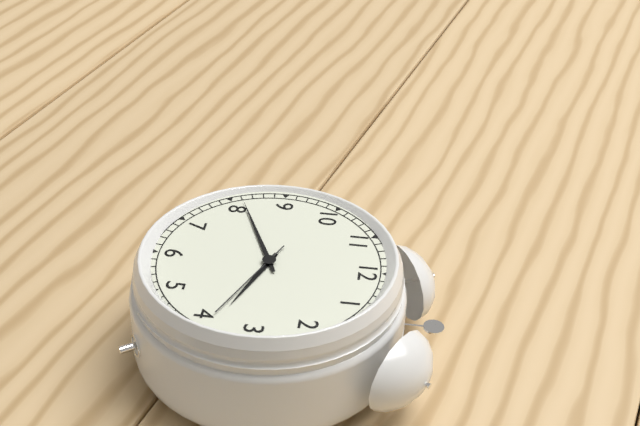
h=3 m=41 s=19
